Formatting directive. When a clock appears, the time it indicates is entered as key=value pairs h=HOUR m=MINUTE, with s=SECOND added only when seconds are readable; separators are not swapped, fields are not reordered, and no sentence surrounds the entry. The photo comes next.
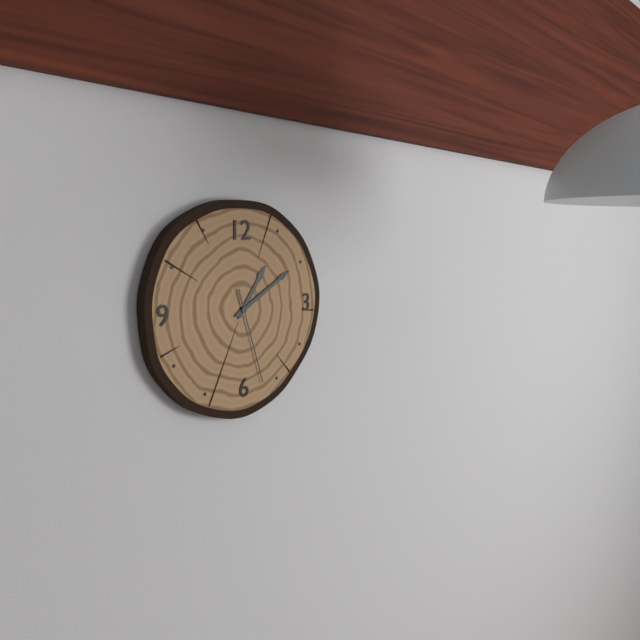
h=1 m=10 s=27
